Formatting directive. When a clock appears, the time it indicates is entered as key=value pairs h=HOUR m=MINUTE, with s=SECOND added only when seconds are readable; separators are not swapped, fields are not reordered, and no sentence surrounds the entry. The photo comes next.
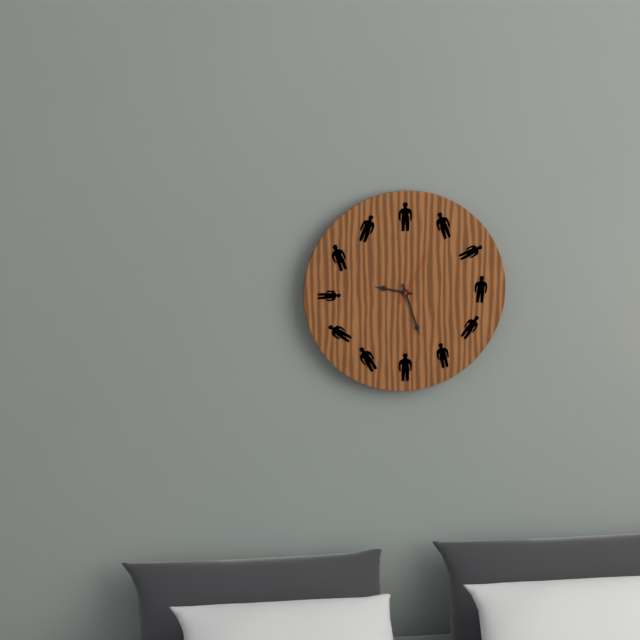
h=9 m=27 s=5
